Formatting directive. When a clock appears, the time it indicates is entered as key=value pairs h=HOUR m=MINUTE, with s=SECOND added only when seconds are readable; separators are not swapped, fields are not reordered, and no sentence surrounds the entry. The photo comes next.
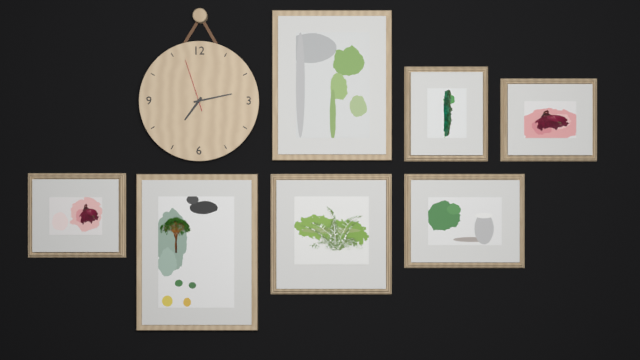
h=7 m=13 s=57
